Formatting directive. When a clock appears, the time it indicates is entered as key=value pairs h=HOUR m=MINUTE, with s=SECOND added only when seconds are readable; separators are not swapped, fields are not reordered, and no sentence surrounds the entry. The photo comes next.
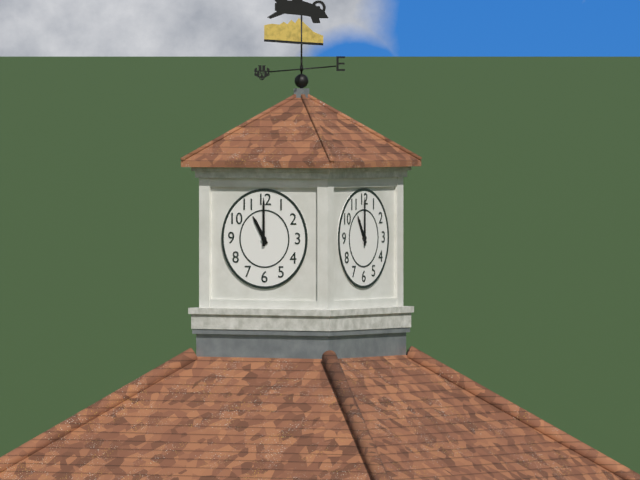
h=11 m=0
